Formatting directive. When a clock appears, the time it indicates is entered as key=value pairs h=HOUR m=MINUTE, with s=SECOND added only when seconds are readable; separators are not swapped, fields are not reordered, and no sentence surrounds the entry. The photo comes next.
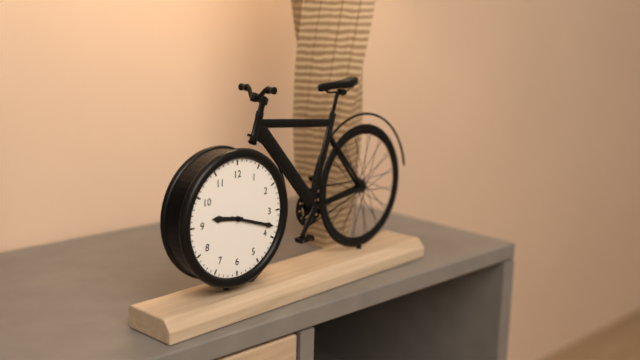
h=9 m=18
